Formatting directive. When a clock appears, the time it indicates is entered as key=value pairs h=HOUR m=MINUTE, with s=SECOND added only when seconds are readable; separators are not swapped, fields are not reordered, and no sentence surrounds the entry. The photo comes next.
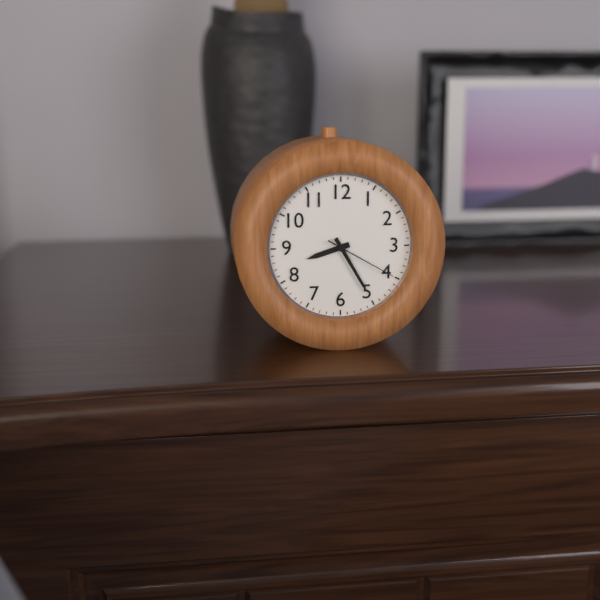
h=8 m=25 s=20
